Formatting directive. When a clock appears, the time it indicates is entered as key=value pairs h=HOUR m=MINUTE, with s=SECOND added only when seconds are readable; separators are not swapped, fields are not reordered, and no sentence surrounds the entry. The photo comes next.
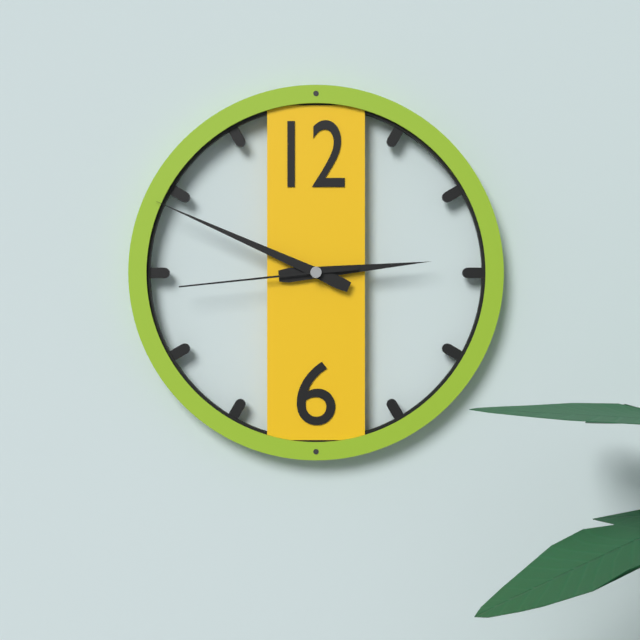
h=2 m=49 s=44
